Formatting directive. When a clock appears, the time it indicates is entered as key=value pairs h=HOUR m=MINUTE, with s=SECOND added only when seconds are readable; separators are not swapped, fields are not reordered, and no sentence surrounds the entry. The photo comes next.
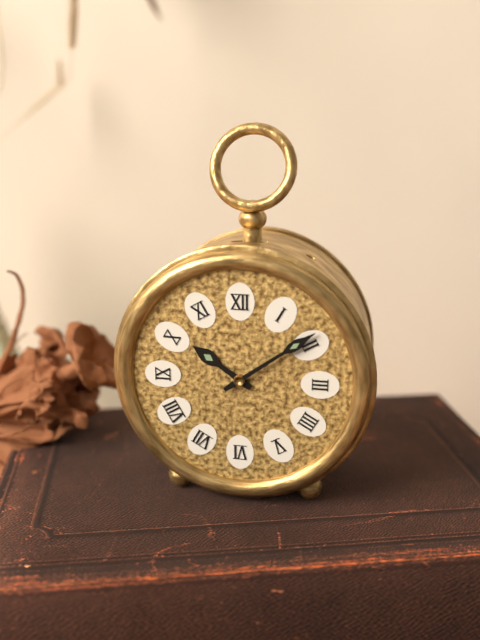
h=10 m=9
